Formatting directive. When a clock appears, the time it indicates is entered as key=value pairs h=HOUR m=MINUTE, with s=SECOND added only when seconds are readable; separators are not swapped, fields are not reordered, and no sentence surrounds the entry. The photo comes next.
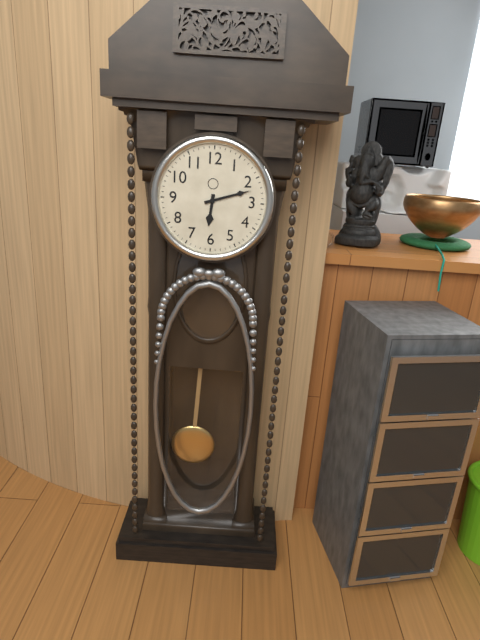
h=6 m=12
